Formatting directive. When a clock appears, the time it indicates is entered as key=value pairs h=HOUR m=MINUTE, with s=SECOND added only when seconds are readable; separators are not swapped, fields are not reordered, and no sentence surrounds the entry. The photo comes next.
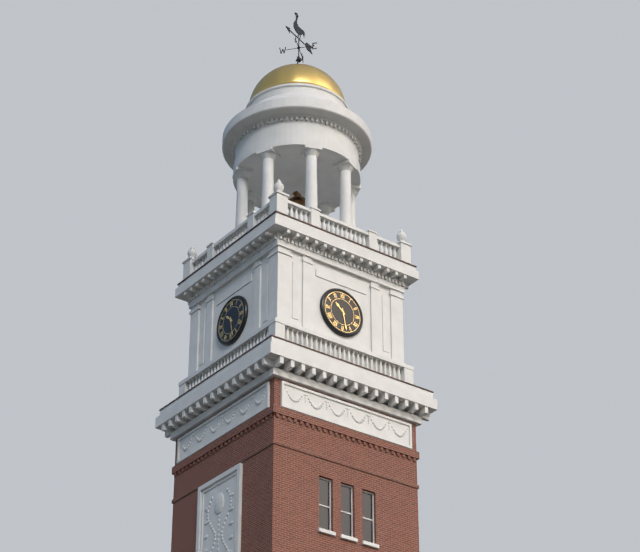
h=10 m=28
